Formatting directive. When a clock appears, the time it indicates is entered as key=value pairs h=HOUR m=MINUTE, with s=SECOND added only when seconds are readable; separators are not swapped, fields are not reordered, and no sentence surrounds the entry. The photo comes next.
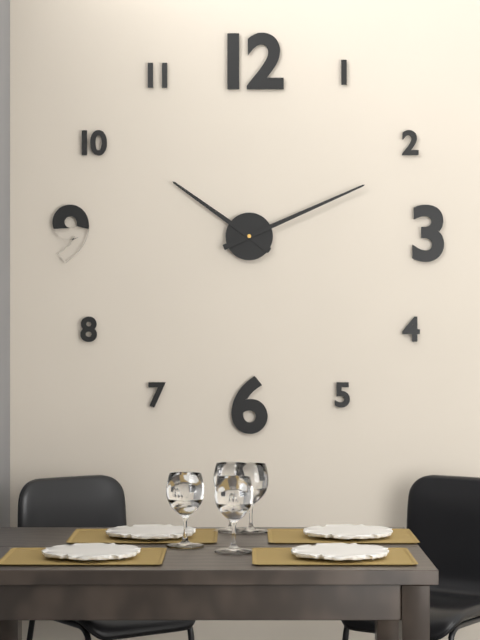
h=10 m=11
